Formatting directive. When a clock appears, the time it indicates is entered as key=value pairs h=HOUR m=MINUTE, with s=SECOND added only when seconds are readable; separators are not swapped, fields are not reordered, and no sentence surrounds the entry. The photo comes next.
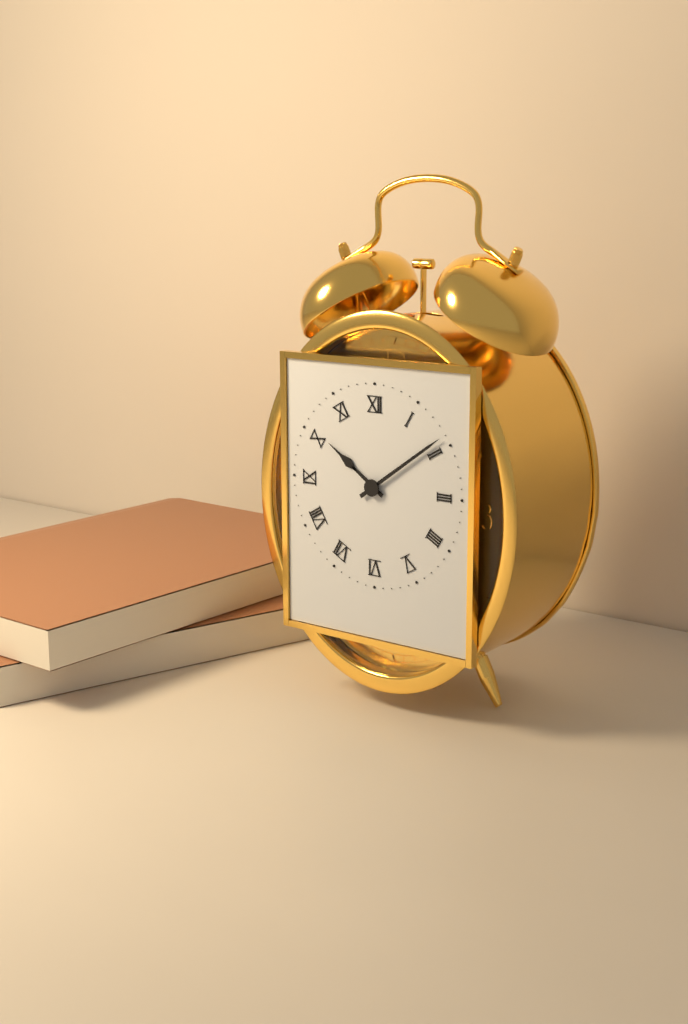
h=10 m=9
